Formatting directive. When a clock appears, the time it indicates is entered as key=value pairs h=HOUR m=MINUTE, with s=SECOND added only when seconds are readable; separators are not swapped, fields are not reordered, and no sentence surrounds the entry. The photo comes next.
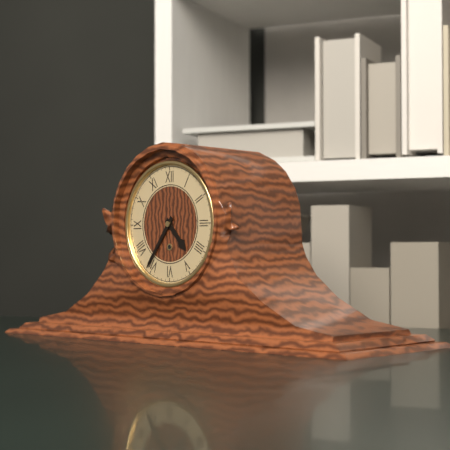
h=4 m=36
